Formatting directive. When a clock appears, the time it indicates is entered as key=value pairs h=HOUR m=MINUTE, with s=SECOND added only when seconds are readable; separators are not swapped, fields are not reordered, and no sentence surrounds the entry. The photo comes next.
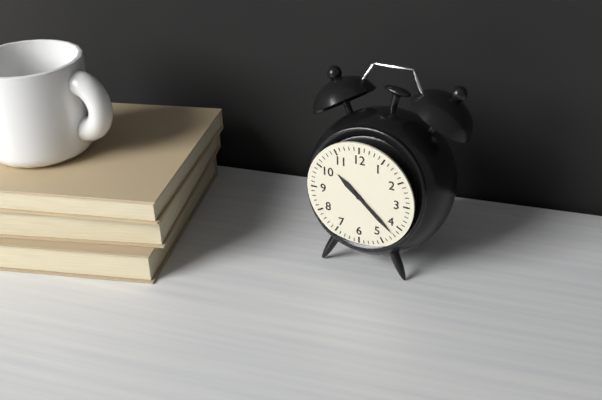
h=10 m=22
